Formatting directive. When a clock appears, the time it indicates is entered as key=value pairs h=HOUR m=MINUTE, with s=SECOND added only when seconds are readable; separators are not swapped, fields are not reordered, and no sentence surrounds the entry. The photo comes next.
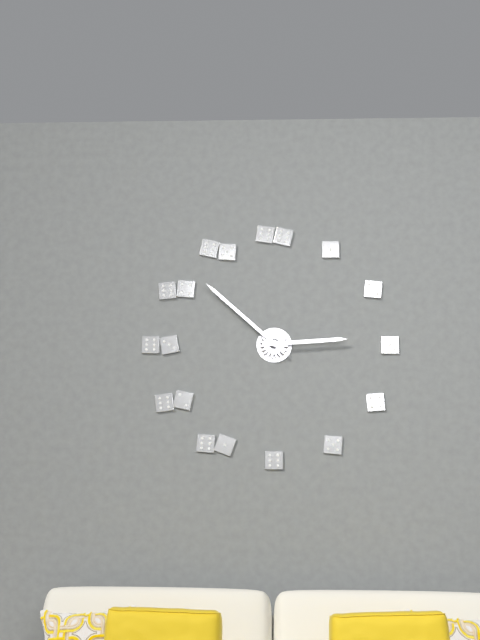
h=2 m=52
